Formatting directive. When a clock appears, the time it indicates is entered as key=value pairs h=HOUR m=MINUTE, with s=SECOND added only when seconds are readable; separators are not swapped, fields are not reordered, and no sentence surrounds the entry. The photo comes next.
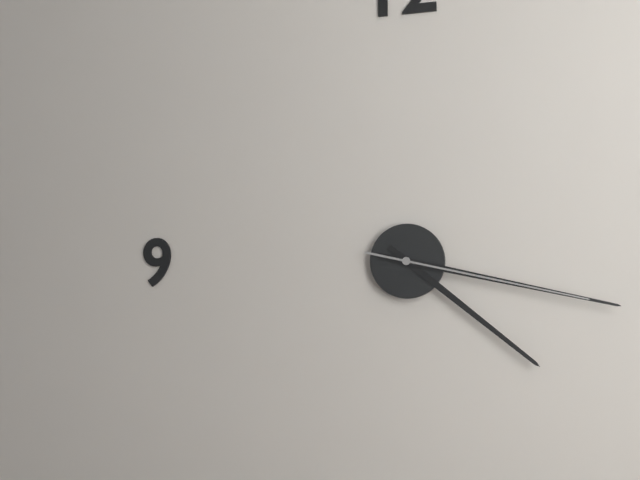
h=4 m=17 s=17
